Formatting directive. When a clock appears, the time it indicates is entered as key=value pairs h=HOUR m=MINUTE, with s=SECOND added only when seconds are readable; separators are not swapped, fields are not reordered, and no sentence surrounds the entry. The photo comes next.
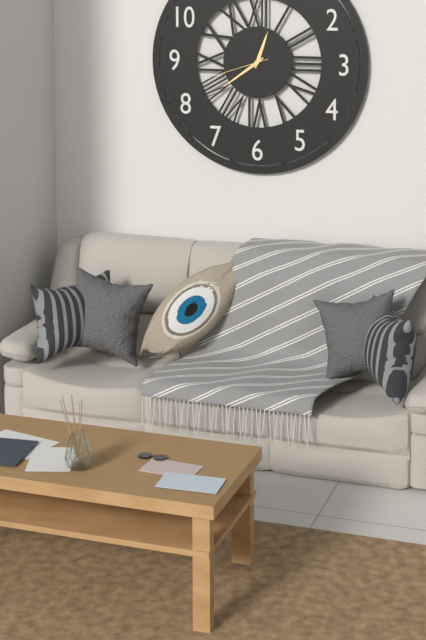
h=12 m=39 s=42
